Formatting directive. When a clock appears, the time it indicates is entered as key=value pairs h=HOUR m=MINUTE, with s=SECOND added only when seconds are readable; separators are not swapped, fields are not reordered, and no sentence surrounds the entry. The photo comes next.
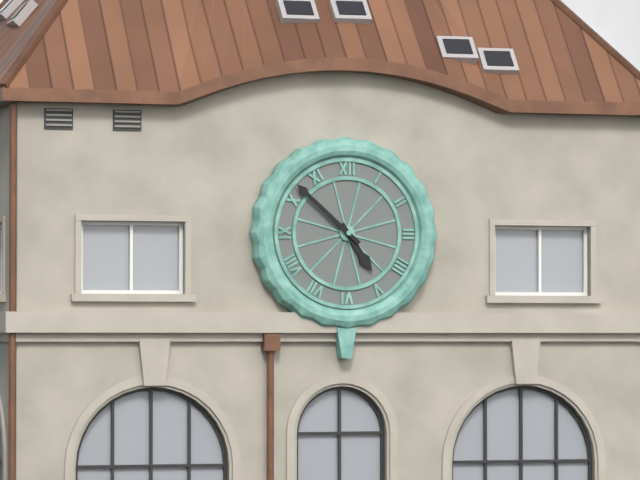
h=4 m=52
